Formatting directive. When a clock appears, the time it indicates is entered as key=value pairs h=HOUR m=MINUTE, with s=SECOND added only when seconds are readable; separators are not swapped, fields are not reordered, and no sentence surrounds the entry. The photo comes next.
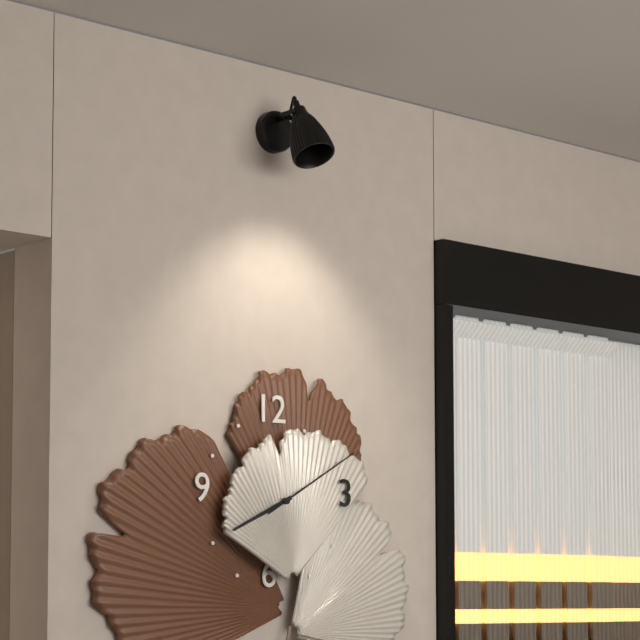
h=8 m=10
